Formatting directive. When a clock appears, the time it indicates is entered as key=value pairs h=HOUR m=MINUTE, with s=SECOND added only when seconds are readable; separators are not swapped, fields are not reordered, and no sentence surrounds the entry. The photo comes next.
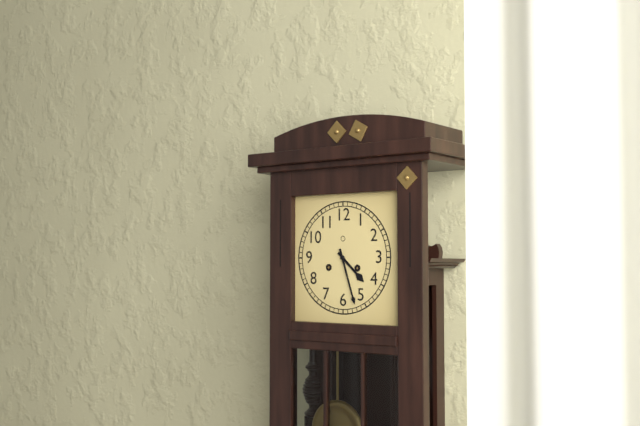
h=4 m=27
